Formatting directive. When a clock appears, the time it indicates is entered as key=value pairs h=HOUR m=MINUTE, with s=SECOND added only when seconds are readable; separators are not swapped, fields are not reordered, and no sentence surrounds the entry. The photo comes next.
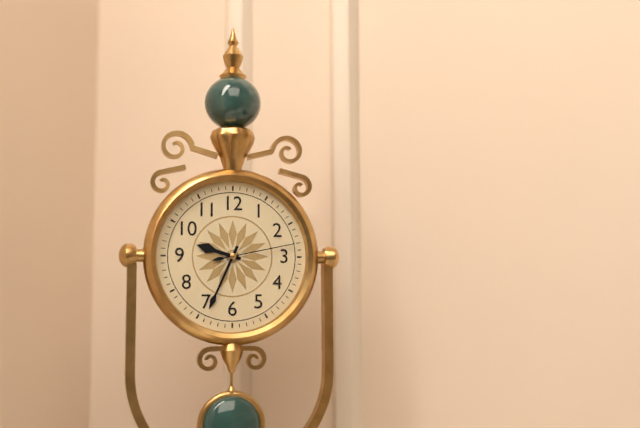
h=9 m=34 s=13
